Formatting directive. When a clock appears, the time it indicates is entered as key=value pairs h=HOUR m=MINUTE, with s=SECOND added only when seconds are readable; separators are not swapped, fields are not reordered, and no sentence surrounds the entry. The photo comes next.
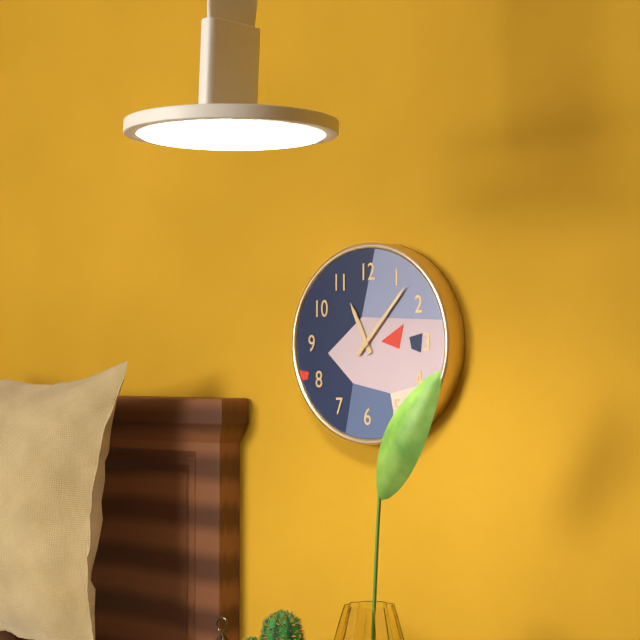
h=11 m=7
